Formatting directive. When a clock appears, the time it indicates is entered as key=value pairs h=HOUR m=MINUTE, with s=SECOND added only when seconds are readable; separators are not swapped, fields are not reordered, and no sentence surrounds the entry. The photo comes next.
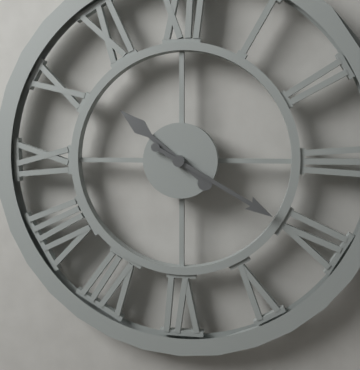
h=10 m=20
